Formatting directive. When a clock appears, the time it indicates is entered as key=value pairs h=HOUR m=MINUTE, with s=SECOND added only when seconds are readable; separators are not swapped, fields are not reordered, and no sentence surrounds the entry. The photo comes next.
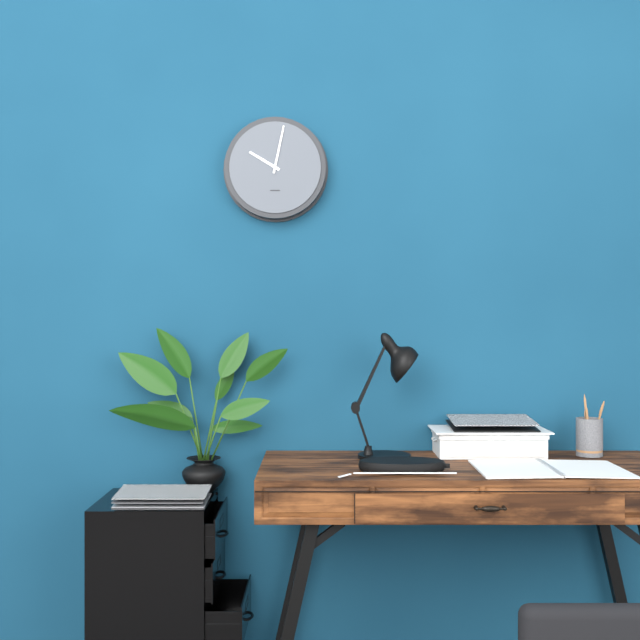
h=10 m=2
